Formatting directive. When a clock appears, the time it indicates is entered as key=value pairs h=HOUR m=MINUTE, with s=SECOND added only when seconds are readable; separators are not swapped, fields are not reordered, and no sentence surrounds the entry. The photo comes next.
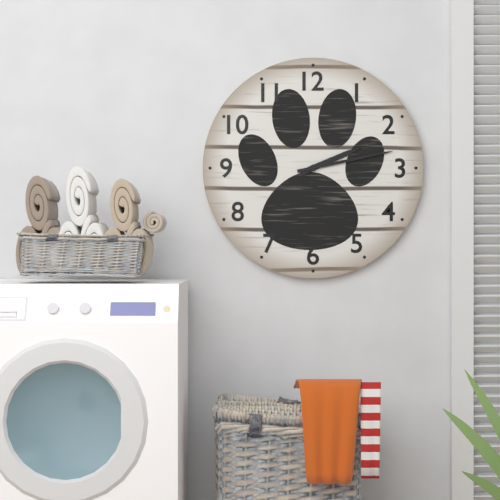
h=2 m=13
